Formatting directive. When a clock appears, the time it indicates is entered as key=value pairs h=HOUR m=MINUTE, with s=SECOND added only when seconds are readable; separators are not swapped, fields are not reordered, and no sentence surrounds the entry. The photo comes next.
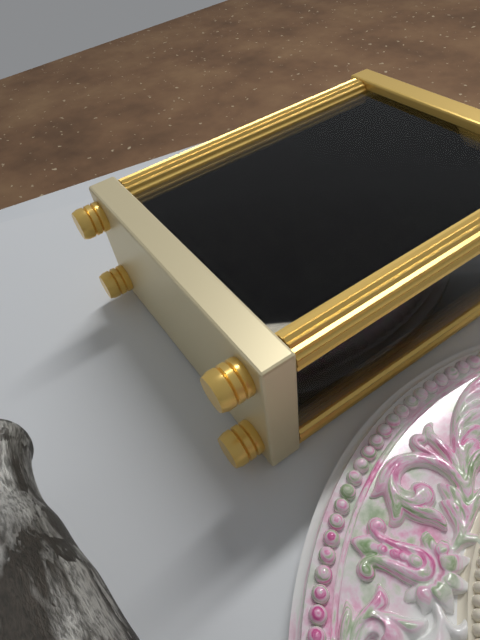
h=11 m=59
